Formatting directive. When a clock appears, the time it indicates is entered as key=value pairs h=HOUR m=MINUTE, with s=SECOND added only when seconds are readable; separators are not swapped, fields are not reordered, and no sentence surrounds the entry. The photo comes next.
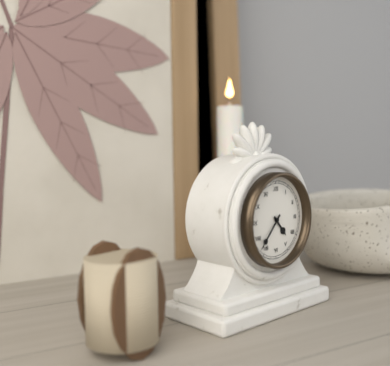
h=4 m=37
